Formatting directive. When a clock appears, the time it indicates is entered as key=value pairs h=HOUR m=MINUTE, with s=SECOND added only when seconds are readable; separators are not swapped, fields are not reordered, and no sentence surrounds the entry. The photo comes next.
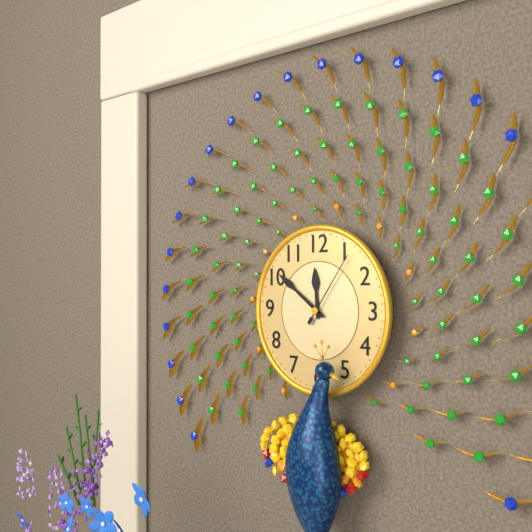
h=11 m=51 s=6
